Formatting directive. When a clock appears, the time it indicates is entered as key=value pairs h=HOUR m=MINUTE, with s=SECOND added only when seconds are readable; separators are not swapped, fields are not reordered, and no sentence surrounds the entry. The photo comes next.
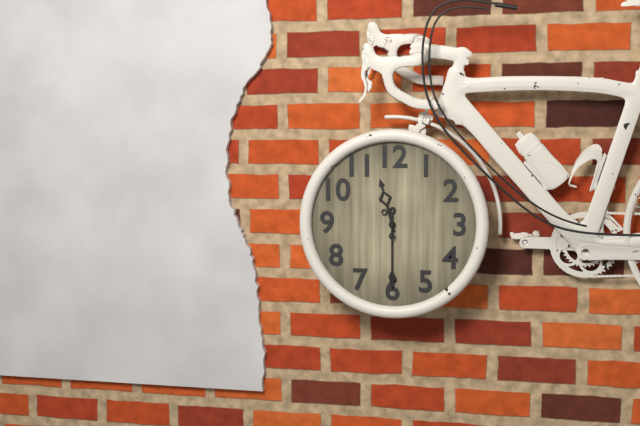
h=11 m=30
